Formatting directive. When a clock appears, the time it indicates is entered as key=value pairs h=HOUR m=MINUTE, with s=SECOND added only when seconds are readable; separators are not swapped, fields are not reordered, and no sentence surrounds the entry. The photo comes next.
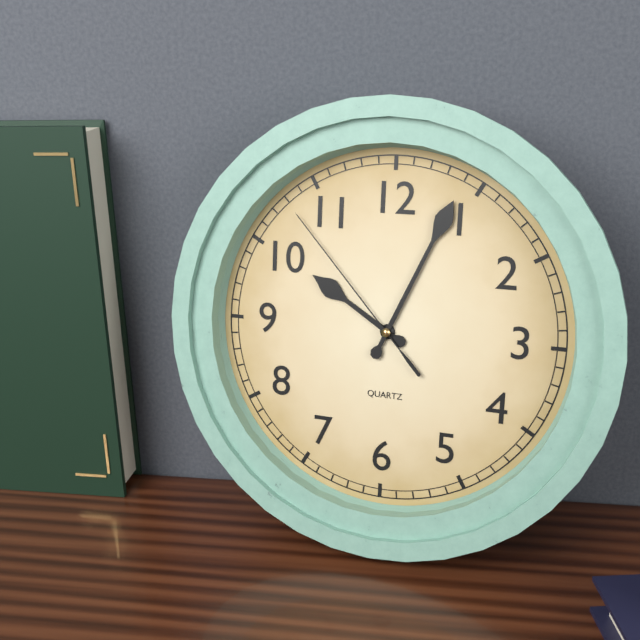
h=10 m=4 s=53
